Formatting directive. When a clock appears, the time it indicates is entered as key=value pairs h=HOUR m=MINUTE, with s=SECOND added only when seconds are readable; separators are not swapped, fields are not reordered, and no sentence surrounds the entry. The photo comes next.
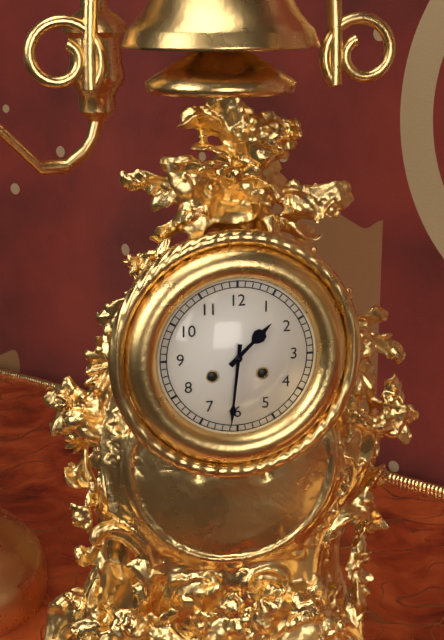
h=1 m=31
